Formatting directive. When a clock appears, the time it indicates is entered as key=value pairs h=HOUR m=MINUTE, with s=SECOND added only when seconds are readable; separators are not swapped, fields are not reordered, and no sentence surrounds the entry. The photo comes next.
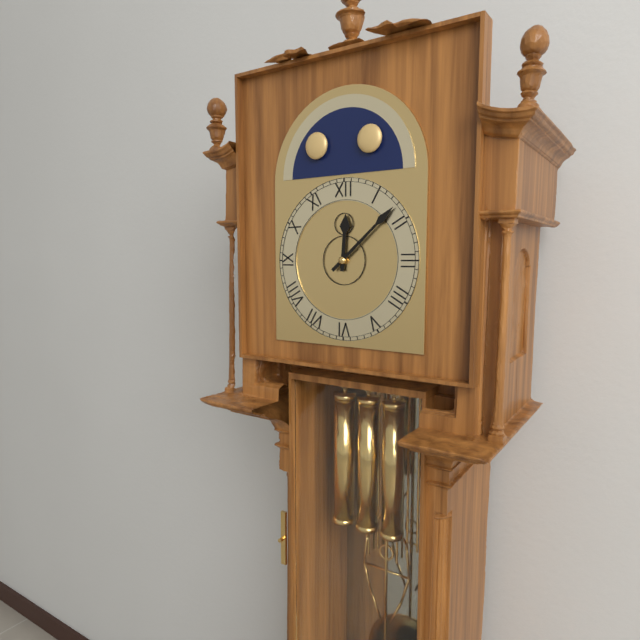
h=12 m=8
